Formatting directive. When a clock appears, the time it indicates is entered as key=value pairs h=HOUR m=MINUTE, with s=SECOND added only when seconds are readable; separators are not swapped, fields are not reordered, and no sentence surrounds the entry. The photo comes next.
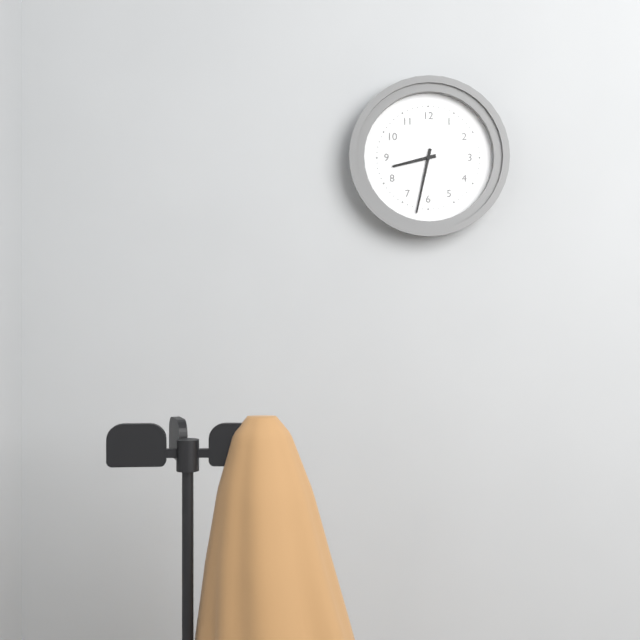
h=8 m=32
